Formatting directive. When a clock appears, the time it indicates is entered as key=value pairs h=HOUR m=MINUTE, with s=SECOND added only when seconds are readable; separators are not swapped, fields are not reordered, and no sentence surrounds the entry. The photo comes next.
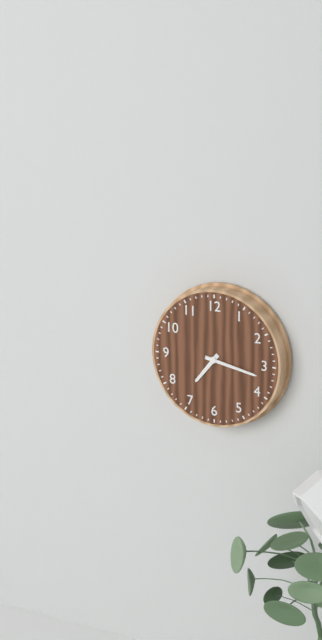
h=7 m=17
